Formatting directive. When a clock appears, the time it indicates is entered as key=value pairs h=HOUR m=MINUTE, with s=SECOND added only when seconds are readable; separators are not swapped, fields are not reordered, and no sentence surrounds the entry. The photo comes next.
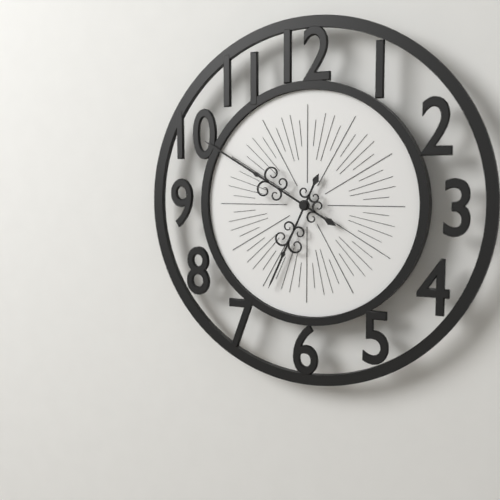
h=6 m=50
